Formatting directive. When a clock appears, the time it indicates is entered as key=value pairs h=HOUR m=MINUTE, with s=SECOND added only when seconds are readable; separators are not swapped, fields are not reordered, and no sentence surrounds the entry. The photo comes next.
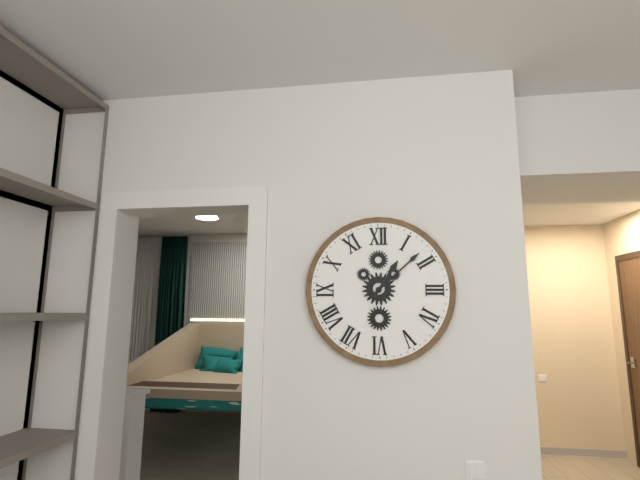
h=1 m=8
